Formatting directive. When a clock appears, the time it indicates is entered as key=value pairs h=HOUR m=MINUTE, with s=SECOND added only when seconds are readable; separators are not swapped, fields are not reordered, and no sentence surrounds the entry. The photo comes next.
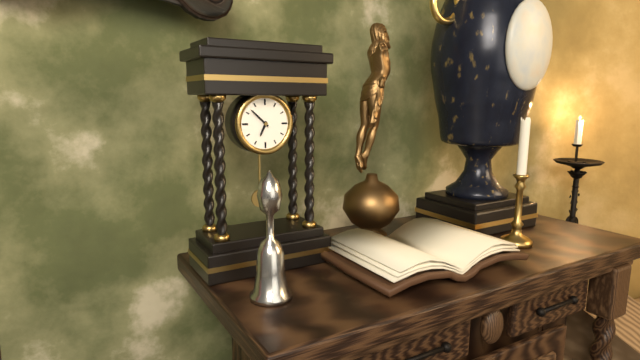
h=6 m=52
